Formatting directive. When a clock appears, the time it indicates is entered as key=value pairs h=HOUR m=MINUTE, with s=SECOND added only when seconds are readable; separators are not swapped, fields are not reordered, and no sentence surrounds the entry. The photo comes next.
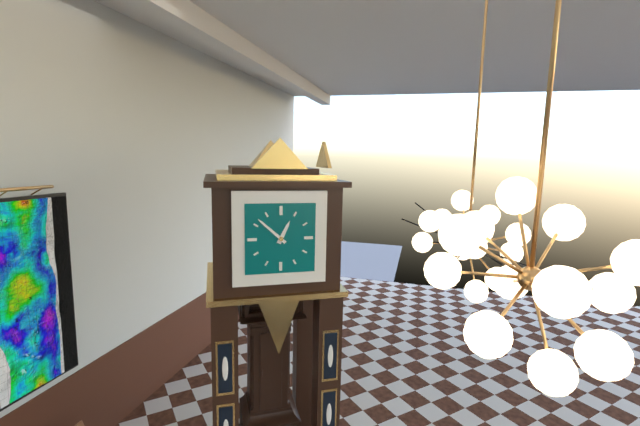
h=12 m=52
